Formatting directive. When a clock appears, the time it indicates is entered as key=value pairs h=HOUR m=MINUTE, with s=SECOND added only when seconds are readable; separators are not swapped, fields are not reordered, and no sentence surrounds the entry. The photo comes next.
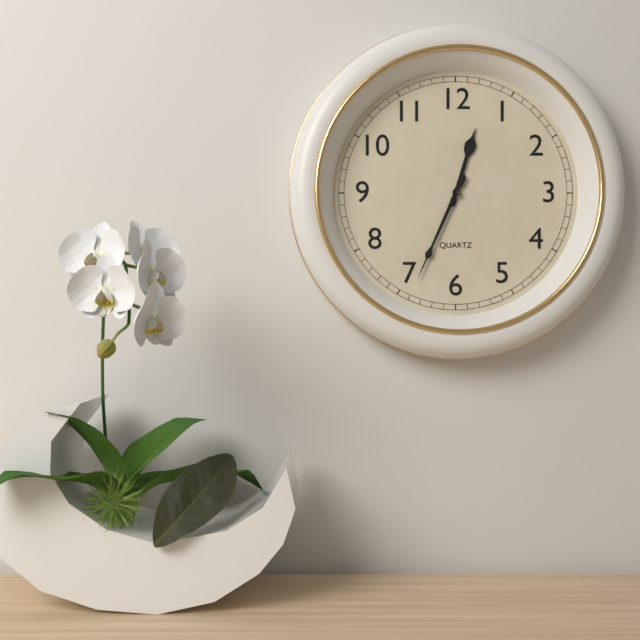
h=12 m=34
